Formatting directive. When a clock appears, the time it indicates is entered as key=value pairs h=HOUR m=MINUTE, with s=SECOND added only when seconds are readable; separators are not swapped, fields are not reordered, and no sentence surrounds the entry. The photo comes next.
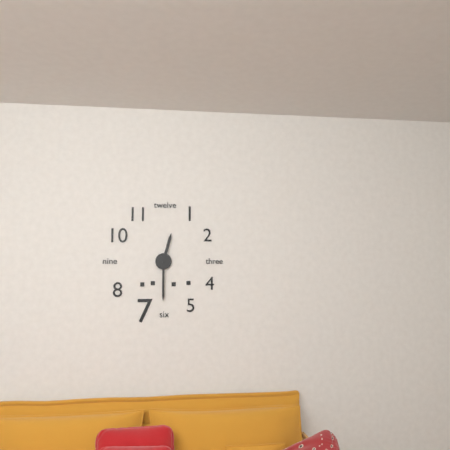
h=12 m=30
